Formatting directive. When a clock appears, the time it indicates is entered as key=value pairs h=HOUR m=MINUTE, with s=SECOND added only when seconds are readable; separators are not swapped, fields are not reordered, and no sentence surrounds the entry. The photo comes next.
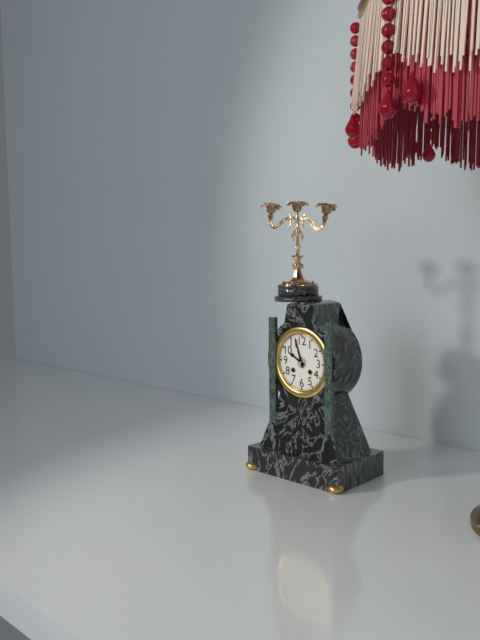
h=9 m=57
